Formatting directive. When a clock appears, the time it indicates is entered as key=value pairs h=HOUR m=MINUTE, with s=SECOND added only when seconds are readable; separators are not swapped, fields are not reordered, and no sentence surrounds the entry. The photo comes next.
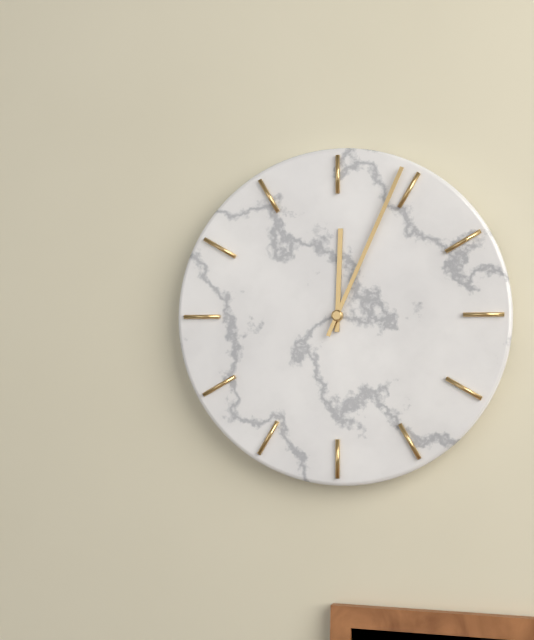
h=12 m=4
